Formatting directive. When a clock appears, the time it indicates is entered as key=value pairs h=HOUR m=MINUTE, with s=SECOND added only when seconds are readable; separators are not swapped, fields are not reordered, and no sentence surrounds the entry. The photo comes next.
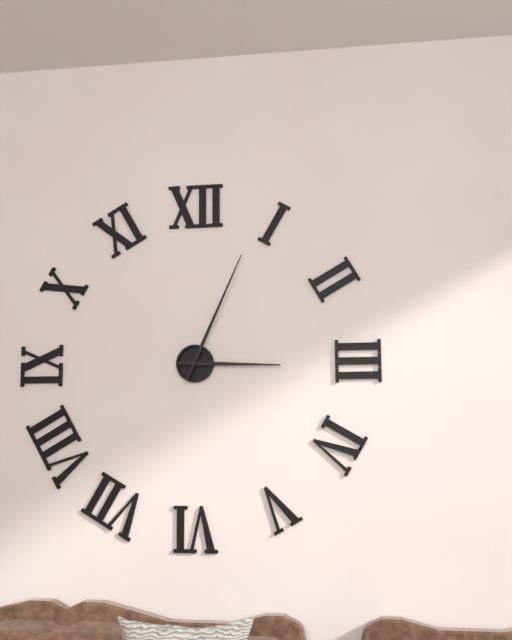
h=3 m=4
